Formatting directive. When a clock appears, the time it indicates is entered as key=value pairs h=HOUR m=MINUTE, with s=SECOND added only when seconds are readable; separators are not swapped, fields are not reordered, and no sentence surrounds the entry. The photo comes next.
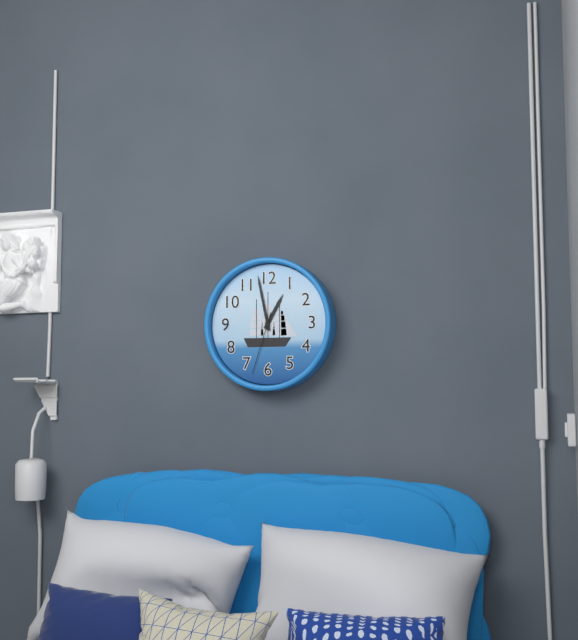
h=12 m=58 s=33
